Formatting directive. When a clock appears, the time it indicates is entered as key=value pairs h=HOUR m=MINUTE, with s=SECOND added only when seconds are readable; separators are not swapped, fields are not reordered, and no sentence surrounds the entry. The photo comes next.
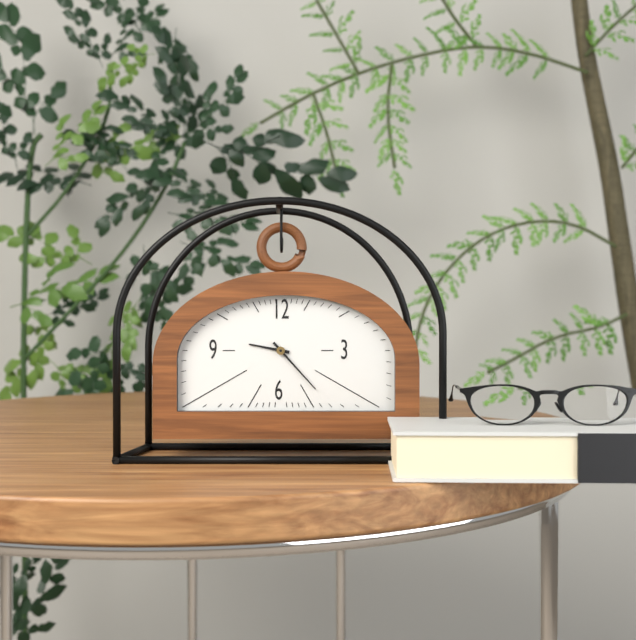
h=9 m=23
